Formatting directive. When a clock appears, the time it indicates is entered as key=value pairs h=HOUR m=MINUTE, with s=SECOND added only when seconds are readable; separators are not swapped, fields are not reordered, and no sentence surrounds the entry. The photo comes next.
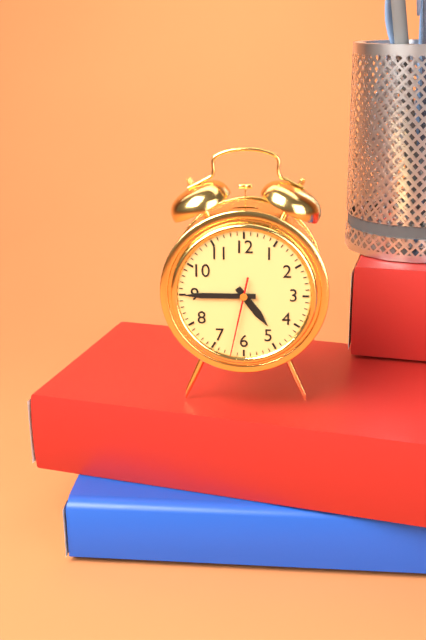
h=4 m=45 s=32
